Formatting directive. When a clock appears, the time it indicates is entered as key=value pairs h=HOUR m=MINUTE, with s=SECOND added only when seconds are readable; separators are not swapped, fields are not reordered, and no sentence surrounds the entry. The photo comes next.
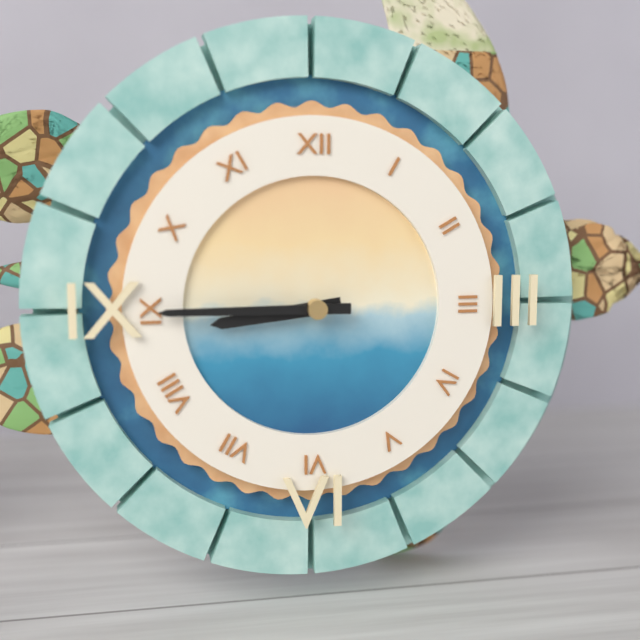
h=8 m=45
